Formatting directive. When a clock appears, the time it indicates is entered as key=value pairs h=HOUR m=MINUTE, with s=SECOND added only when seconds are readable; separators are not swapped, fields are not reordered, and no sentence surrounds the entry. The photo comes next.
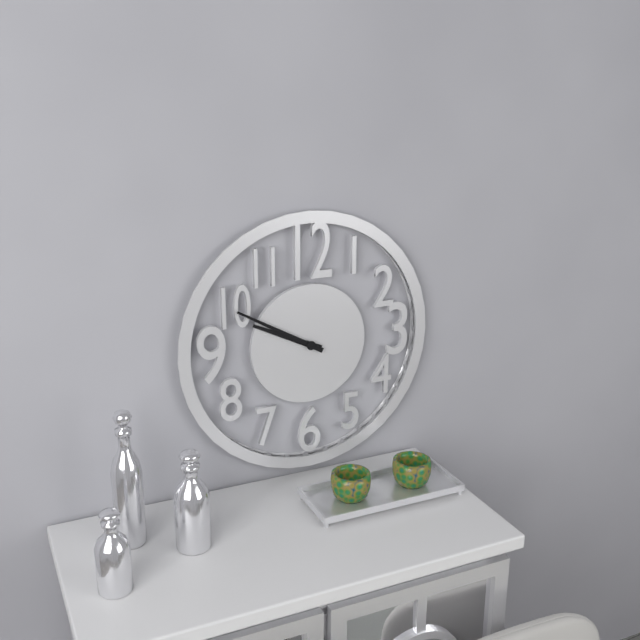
h=9 m=50
